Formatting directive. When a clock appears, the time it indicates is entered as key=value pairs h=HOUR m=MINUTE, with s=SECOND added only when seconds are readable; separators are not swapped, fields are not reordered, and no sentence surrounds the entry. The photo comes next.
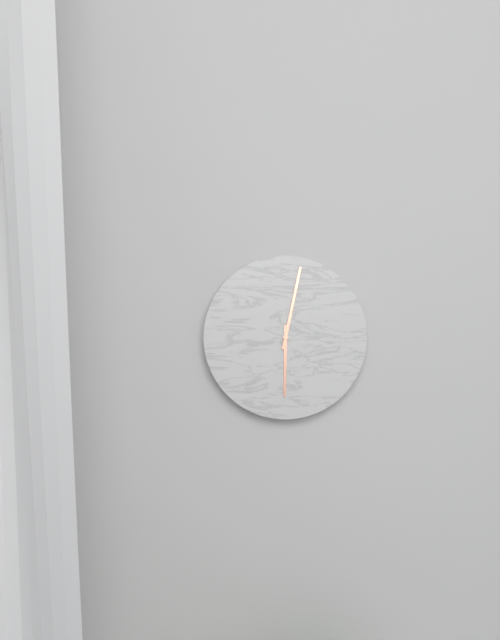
h=6 m=2
